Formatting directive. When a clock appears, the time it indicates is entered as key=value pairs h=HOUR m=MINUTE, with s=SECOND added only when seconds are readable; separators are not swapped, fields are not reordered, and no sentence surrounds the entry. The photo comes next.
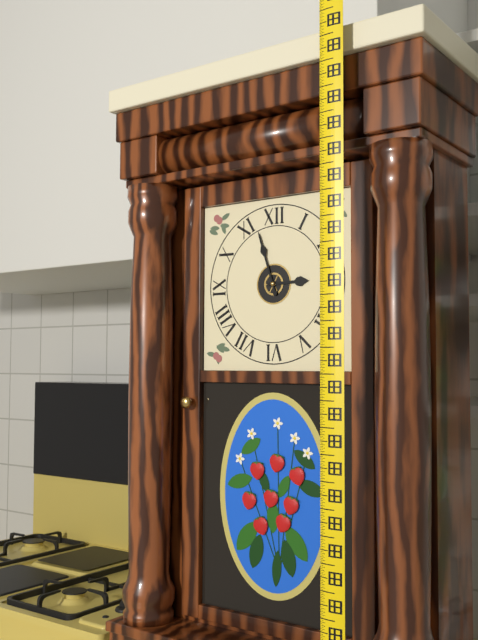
h=2 m=57
